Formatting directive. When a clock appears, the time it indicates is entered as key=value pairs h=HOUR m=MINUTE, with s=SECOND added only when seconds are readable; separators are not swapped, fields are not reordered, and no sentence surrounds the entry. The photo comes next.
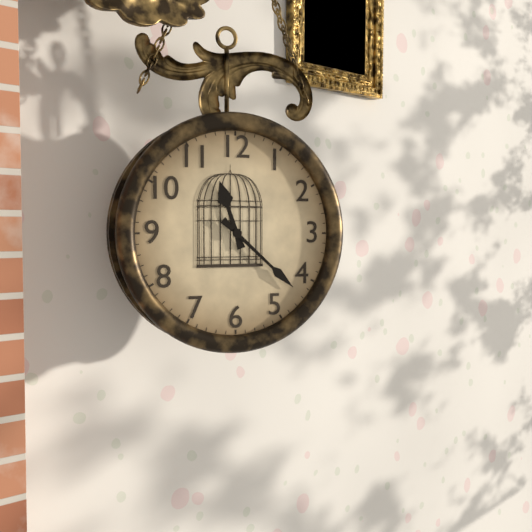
h=11 m=22
